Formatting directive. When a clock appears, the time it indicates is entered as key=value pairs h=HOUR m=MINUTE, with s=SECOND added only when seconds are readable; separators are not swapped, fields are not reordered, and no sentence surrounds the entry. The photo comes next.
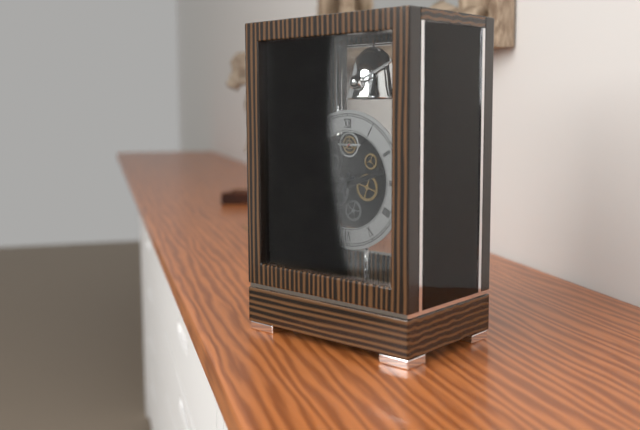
h=6 m=42
